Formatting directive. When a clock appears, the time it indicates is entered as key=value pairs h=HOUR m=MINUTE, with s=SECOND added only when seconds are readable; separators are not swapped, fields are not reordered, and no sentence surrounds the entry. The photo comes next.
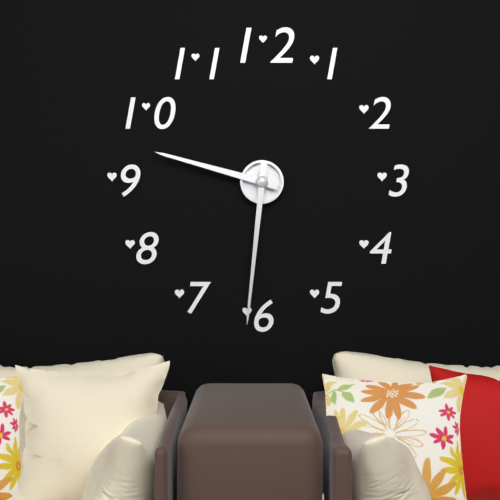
h=9 m=31
